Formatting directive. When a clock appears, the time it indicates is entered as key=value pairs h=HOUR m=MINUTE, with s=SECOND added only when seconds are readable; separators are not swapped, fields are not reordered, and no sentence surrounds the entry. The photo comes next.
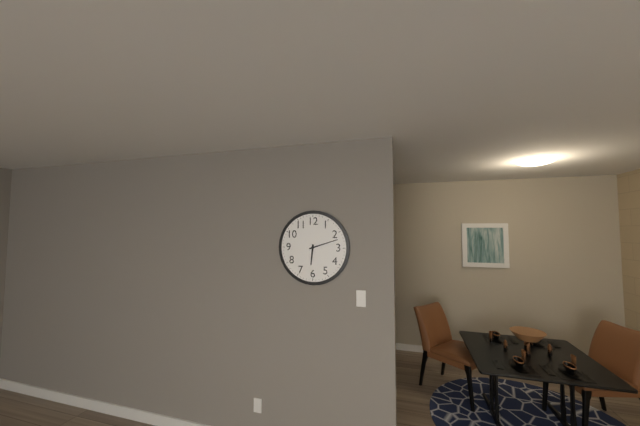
h=6 m=12
